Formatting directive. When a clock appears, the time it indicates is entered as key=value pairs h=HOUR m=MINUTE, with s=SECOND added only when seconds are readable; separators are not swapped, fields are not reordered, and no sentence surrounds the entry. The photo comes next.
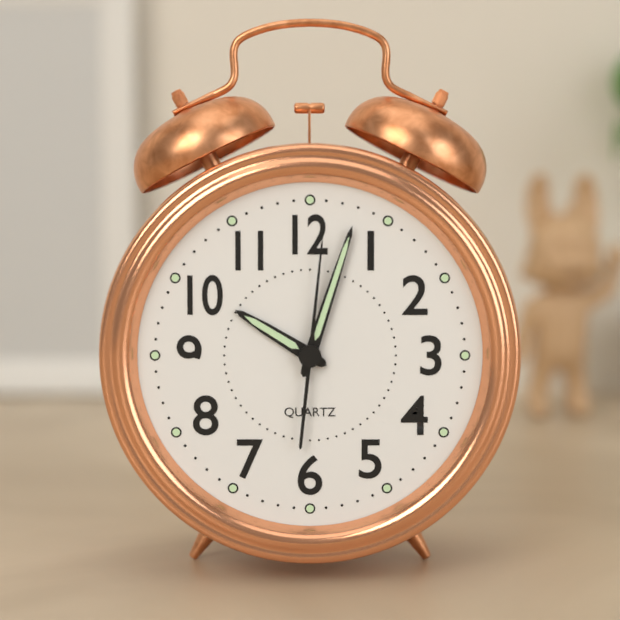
h=10 m=3 s=1
